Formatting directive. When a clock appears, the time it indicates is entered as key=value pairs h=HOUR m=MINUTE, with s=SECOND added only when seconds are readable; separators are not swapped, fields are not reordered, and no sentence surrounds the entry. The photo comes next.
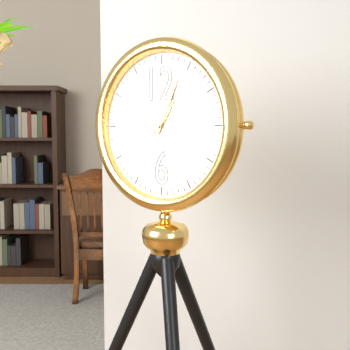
h=1 m=4 s=8
